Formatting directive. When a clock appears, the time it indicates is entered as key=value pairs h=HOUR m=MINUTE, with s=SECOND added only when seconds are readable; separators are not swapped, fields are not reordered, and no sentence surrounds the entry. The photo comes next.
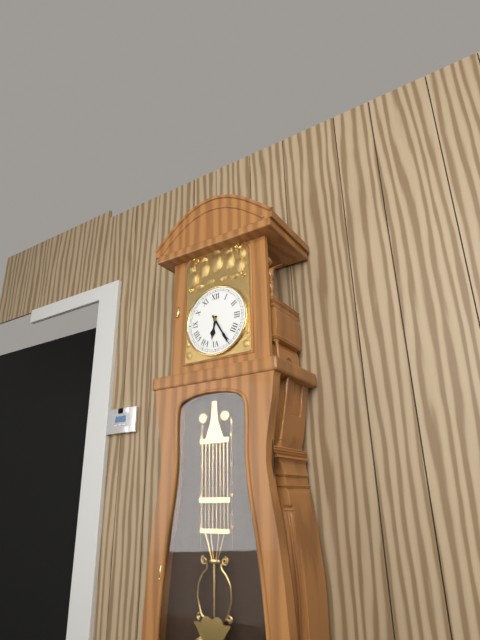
h=6 m=25
